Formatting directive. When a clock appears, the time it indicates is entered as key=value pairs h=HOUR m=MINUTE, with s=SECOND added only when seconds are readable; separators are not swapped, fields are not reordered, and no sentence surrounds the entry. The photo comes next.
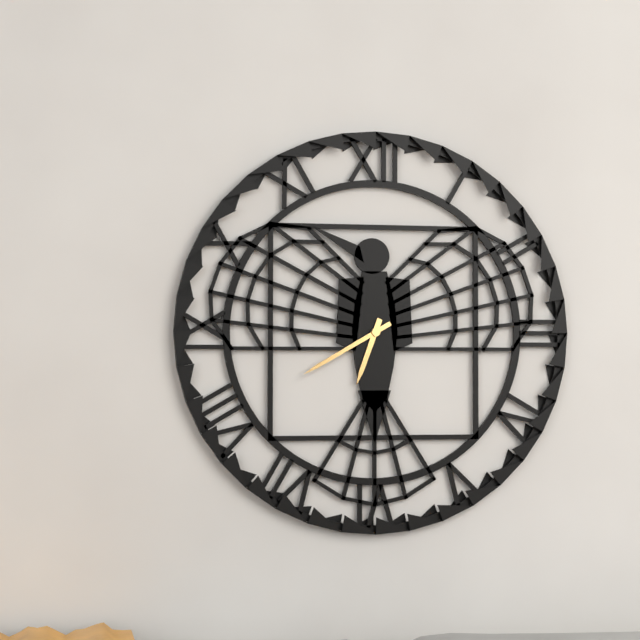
h=6 m=40
